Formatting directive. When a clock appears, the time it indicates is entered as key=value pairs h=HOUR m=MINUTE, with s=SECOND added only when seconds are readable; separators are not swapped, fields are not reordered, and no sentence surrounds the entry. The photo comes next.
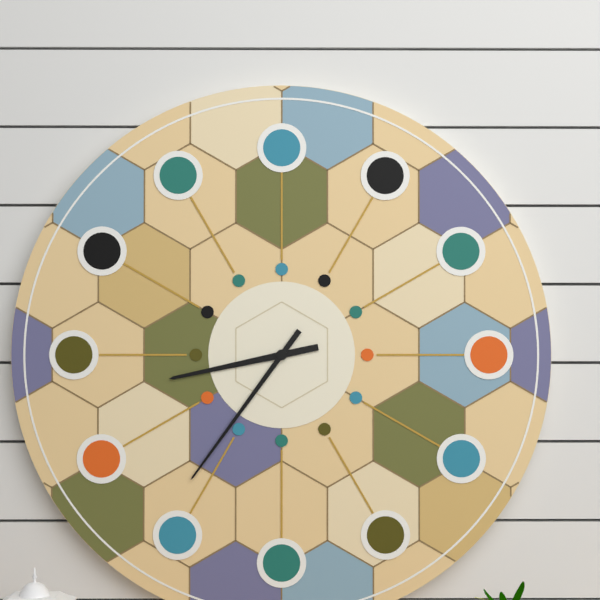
h=8 m=36
